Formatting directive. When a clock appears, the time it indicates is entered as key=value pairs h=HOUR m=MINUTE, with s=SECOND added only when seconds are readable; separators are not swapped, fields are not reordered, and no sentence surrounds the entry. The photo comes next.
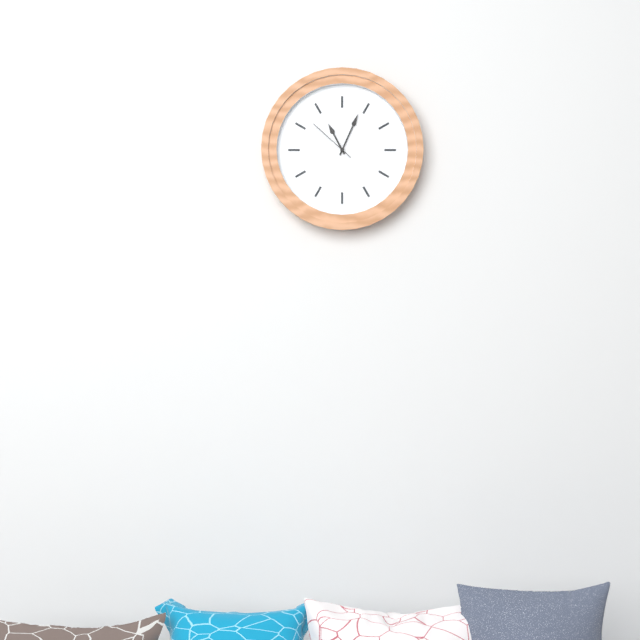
h=11 m=4
